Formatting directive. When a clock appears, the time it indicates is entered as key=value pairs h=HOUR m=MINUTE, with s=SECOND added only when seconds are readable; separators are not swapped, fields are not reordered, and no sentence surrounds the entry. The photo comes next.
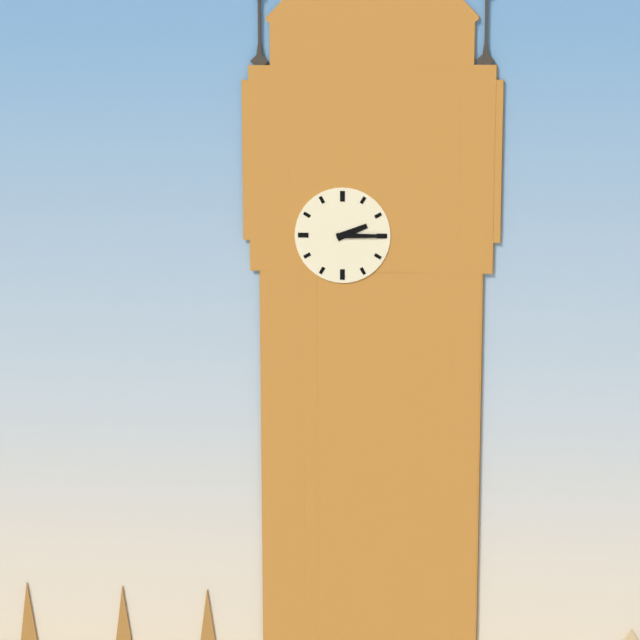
h=2 m=15
